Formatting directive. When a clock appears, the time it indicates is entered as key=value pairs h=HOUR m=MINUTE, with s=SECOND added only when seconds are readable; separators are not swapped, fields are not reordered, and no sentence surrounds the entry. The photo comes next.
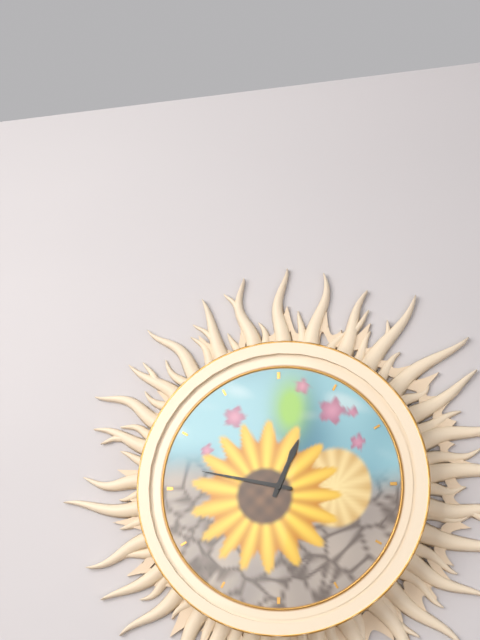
h=12 m=47
